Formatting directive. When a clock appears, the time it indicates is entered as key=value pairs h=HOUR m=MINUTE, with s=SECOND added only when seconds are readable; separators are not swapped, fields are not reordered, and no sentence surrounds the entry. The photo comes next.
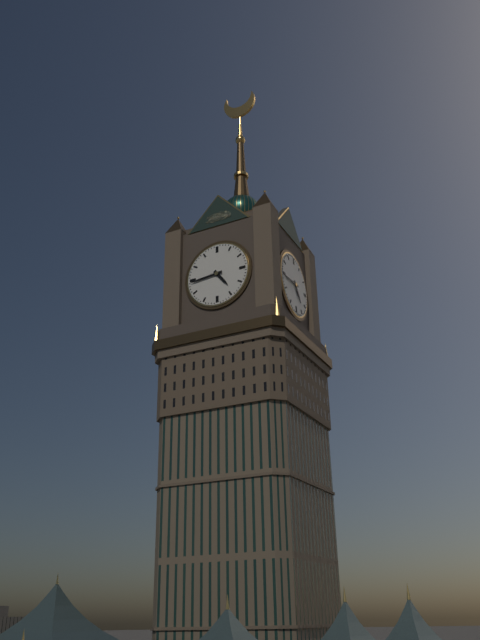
h=4 m=44
